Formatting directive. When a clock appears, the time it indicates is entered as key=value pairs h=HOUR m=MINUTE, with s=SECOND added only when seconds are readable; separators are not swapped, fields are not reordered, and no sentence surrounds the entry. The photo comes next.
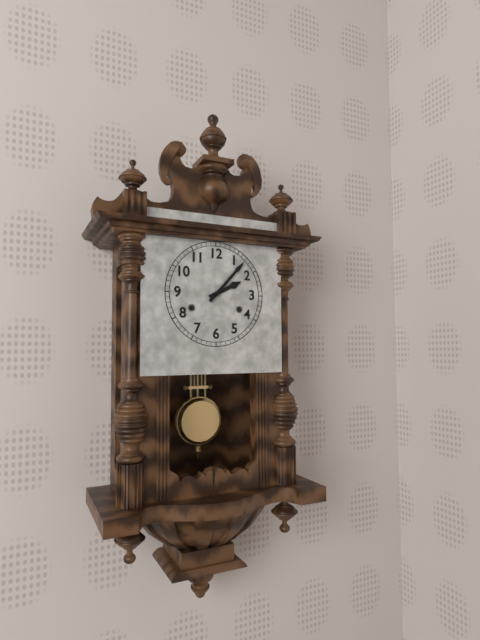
h=2 m=7
